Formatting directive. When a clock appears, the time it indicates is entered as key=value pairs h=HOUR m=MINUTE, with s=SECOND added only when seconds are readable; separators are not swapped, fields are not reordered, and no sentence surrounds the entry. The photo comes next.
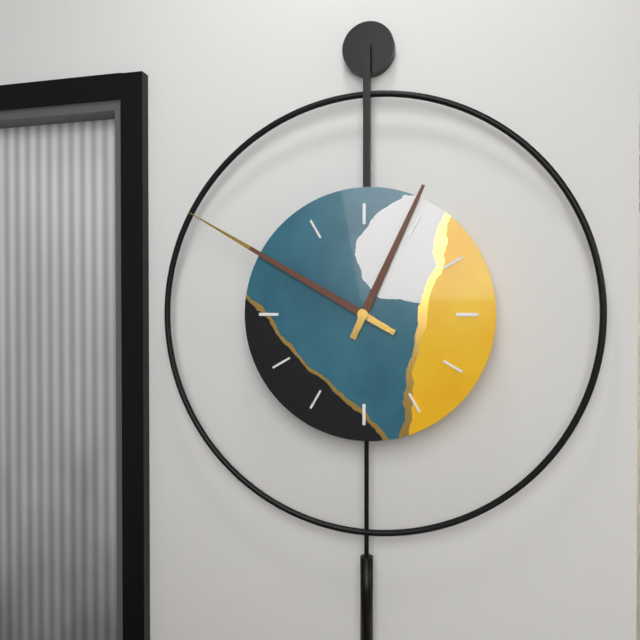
h=12 m=50
